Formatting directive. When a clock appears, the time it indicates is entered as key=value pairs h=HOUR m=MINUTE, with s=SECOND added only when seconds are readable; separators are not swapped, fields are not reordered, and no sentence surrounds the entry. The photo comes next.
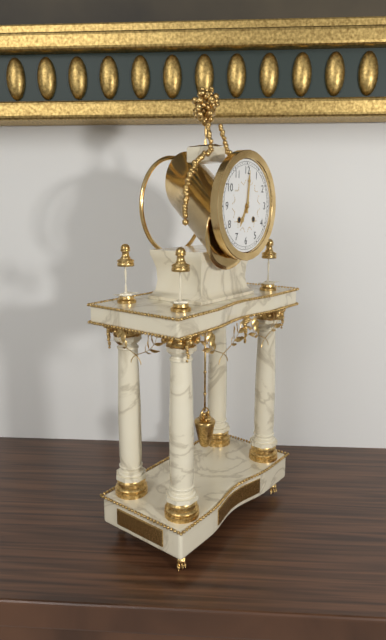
h=7 m=1
